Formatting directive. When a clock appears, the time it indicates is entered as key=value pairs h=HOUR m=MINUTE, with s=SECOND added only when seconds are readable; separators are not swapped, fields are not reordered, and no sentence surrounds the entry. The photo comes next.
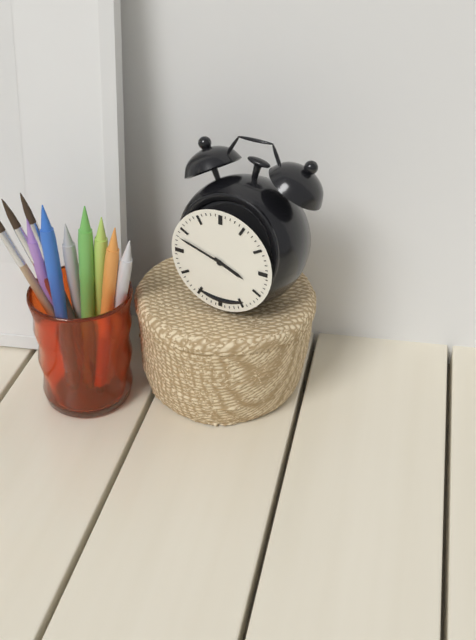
h=3 m=48
